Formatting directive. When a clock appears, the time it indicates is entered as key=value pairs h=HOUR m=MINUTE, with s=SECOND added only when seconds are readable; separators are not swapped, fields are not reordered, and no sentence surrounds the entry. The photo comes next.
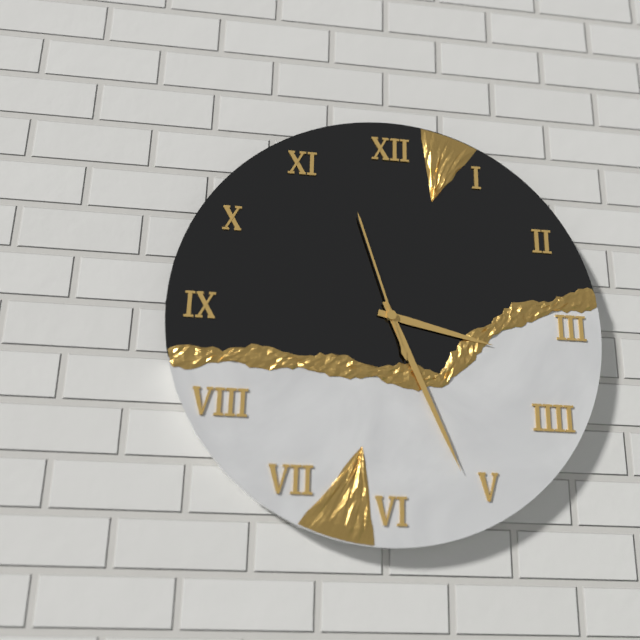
h=3 m=26 s=57
